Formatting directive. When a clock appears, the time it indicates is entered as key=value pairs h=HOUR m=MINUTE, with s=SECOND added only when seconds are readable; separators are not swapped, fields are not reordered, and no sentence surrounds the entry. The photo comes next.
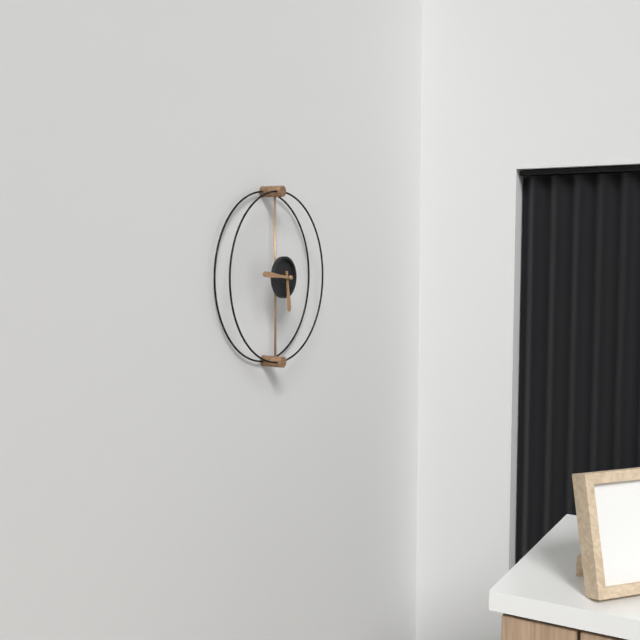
h=5 m=46
